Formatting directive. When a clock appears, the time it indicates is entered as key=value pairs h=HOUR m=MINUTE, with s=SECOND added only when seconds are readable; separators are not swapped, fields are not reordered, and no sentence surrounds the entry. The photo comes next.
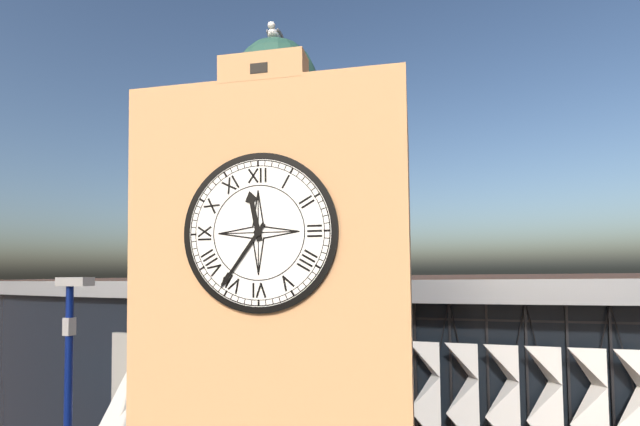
h=11 m=36
